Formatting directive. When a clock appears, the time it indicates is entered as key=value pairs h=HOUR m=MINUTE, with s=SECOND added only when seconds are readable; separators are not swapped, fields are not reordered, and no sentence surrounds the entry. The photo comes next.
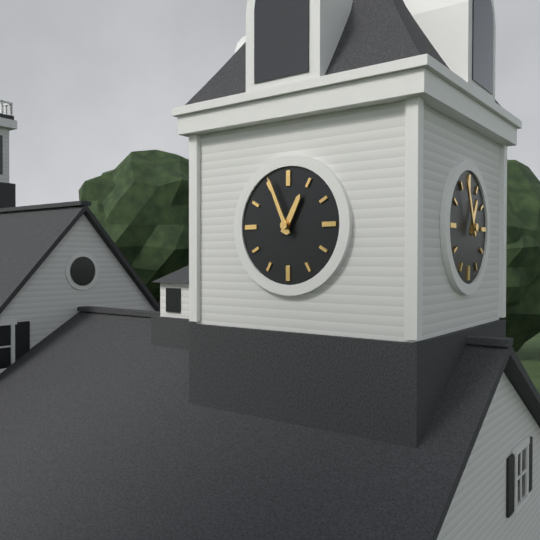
h=12 m=56
